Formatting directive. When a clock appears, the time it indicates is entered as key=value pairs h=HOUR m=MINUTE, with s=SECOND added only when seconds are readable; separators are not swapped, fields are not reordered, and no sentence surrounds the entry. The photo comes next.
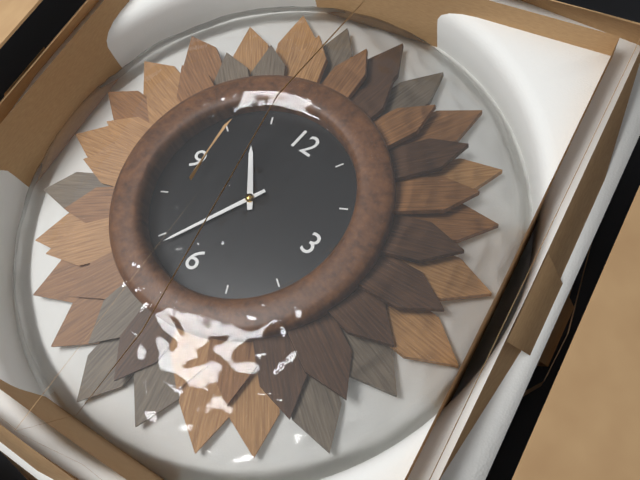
h=10 m=34
